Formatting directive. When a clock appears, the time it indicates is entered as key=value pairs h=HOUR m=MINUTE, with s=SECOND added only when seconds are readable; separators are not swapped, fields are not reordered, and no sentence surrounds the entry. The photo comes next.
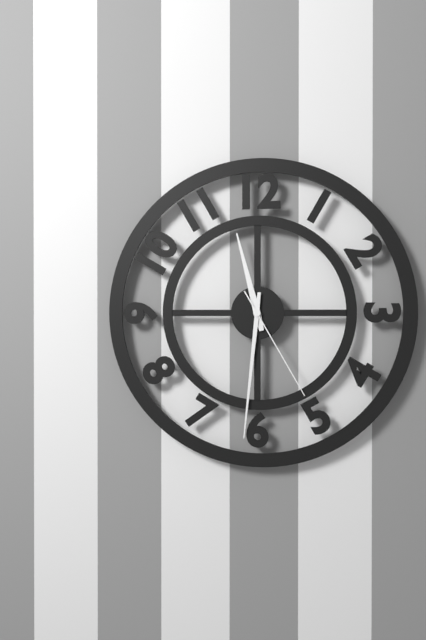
h=11 m=31 s=25
